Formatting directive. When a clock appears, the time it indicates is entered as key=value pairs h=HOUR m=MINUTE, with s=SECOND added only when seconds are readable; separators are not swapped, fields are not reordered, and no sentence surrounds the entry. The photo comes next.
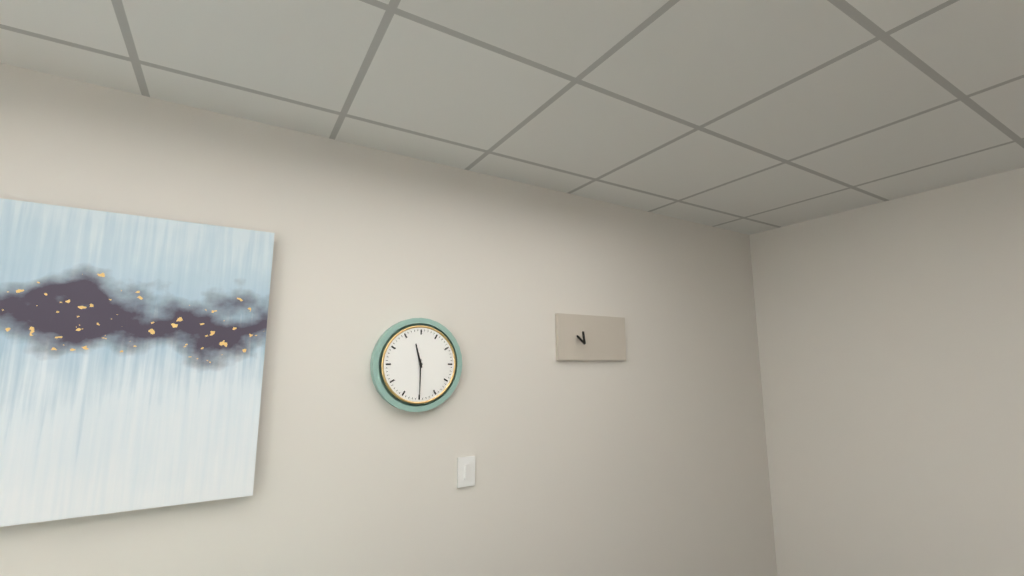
h=11 m=30
